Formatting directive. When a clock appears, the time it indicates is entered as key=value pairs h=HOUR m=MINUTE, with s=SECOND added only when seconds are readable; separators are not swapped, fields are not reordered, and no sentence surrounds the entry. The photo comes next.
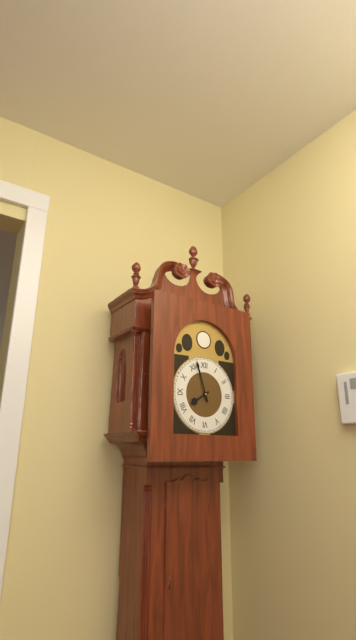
h=7 m=57
